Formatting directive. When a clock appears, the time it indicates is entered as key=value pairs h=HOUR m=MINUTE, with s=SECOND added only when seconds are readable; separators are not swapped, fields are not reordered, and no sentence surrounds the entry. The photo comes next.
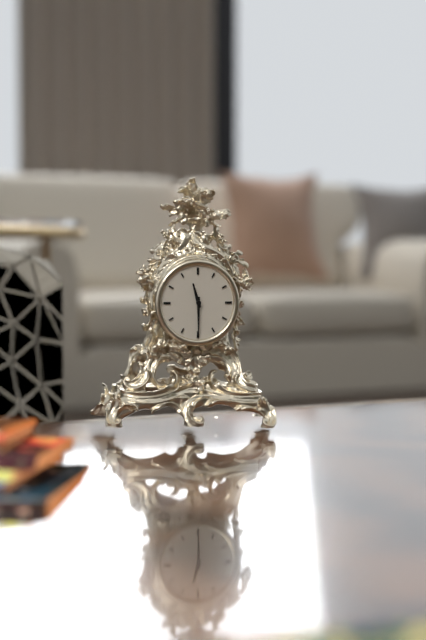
h=11 m=30
